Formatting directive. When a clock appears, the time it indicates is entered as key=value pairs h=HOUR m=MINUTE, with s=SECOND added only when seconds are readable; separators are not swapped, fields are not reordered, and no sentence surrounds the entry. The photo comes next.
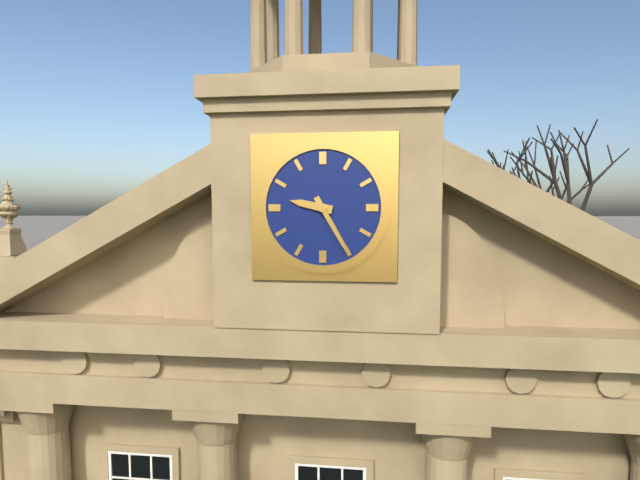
h=9 m=25
